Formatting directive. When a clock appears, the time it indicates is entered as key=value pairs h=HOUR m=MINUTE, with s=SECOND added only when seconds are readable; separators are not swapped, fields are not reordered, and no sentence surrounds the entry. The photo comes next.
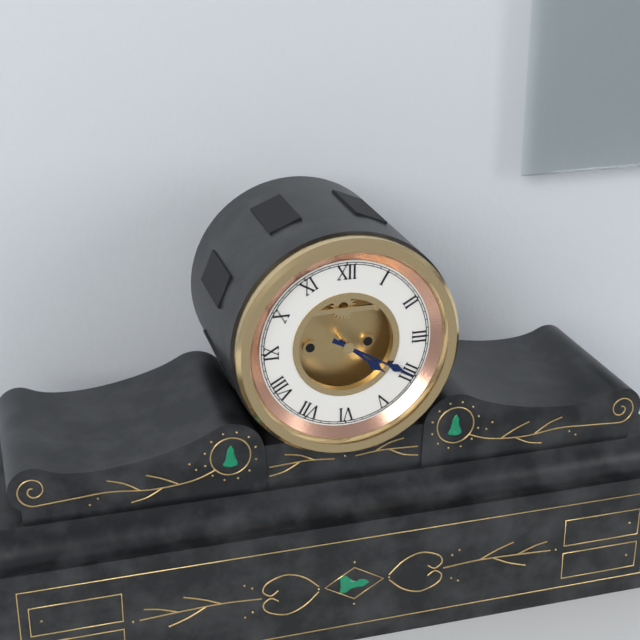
h=4 m=20
